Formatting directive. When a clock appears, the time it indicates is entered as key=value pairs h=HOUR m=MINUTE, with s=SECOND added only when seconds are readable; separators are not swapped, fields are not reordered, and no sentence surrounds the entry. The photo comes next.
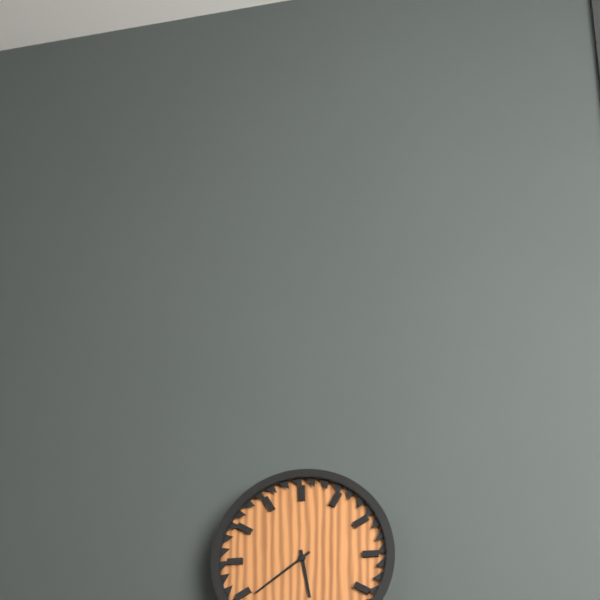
h=5 m=39
